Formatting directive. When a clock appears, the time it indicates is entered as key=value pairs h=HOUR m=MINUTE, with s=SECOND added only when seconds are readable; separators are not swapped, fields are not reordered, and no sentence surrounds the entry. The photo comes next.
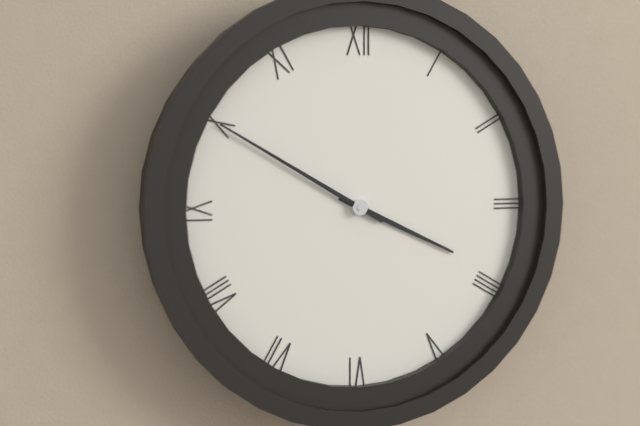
h=3 m=50
